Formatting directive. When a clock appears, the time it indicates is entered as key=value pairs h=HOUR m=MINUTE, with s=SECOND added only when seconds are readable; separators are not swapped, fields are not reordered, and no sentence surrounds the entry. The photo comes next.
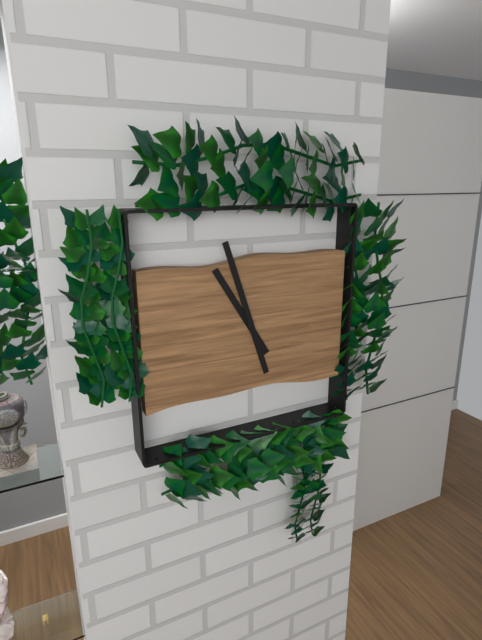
h=10 m=57
